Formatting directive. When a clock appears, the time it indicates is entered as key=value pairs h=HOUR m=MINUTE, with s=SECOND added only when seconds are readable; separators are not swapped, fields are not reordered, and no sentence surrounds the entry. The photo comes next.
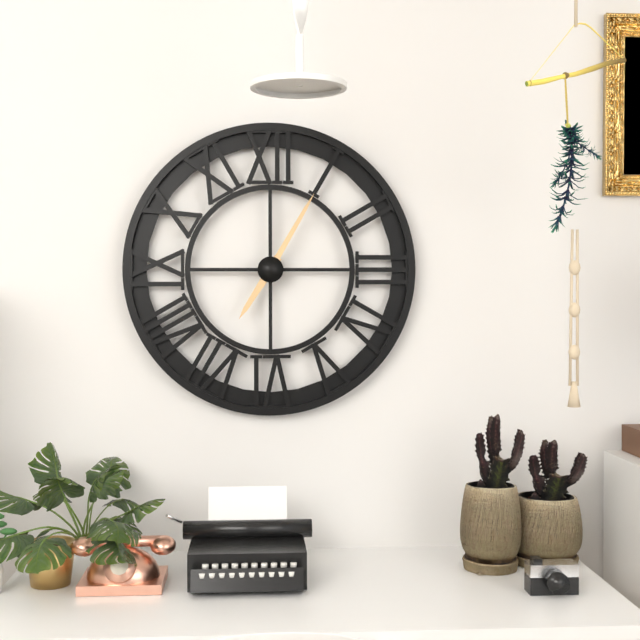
h=7 m=5
